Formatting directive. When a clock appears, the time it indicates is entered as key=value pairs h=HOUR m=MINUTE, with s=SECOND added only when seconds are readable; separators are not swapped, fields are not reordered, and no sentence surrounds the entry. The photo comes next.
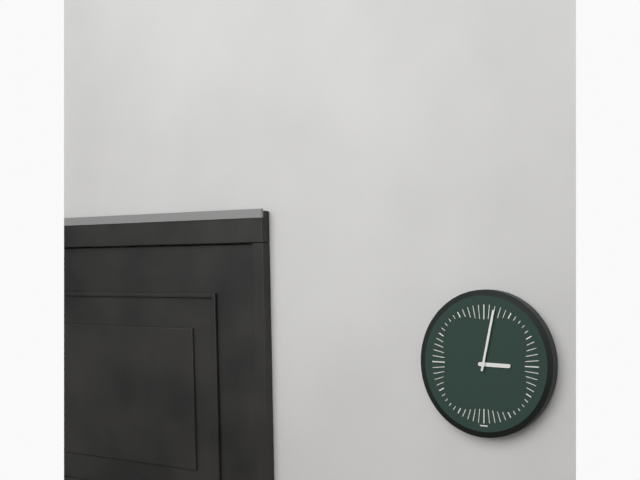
h=3 m=2
